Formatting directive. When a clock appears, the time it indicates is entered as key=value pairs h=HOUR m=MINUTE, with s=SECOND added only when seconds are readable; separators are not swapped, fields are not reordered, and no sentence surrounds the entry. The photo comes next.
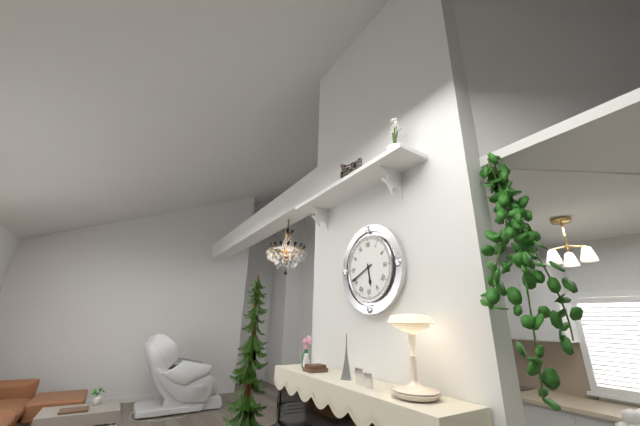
h=5 m=41
